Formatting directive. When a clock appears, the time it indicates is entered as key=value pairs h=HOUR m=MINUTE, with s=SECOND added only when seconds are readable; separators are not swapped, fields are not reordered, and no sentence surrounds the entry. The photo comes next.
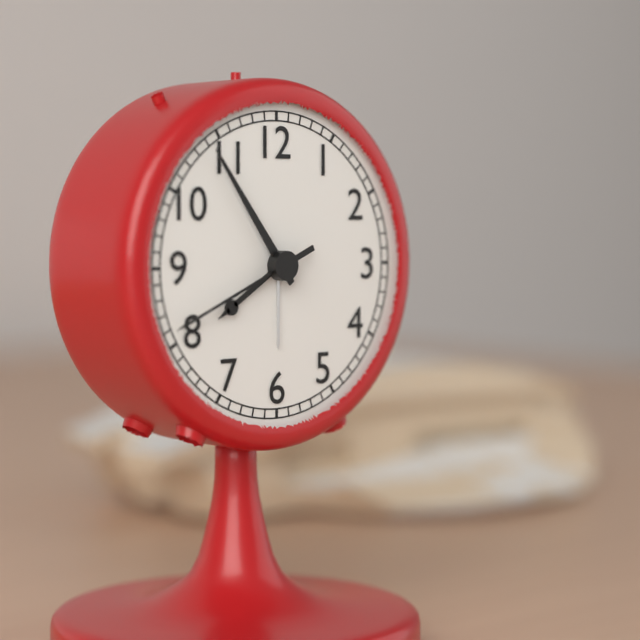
h=7 m=54 s=41
